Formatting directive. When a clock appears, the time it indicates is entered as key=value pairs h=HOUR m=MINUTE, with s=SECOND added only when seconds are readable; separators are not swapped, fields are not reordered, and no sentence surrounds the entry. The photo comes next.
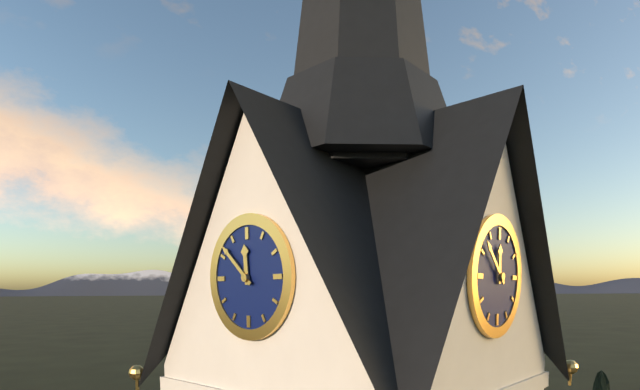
h=11 m=52
